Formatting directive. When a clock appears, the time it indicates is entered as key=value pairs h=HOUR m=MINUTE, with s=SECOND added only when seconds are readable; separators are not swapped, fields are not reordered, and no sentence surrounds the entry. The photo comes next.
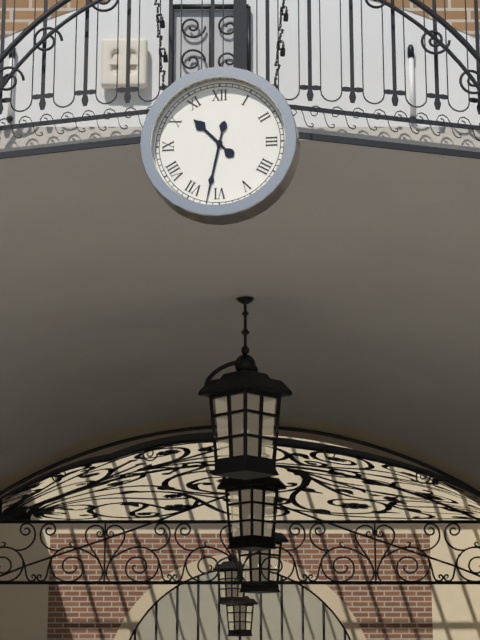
h=10 m=32
